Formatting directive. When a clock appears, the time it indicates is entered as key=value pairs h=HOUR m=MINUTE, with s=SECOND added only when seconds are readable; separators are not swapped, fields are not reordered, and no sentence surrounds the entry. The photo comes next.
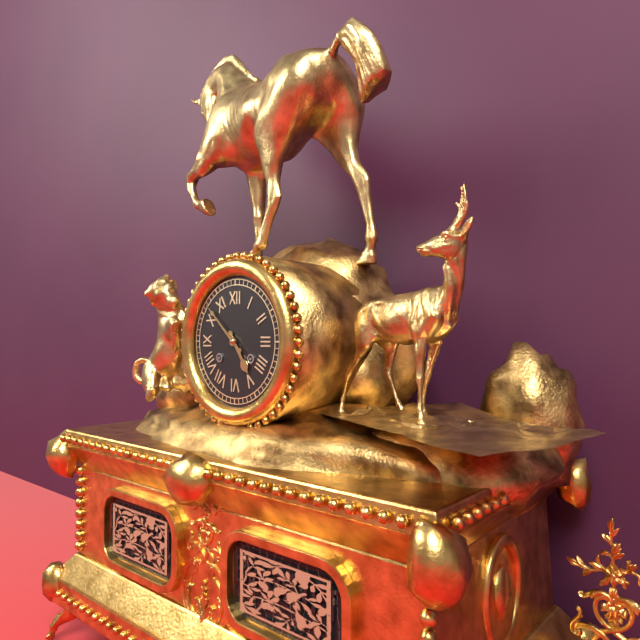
h=4 m=52
